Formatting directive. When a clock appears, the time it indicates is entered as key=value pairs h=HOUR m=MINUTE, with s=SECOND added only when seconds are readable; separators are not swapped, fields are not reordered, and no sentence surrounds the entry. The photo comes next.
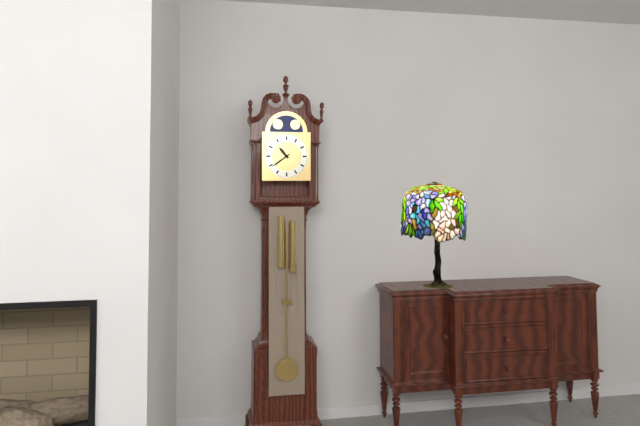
h=10 m=39
